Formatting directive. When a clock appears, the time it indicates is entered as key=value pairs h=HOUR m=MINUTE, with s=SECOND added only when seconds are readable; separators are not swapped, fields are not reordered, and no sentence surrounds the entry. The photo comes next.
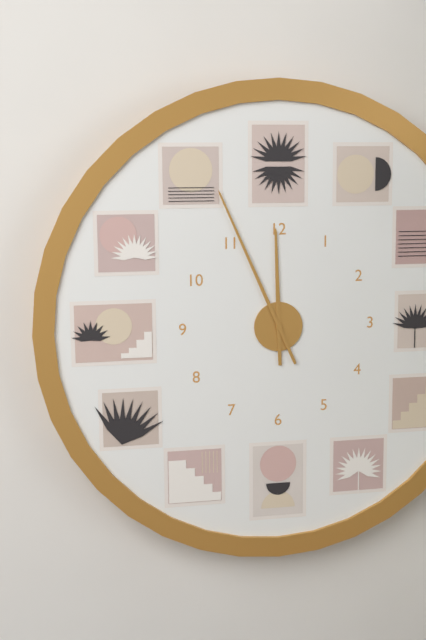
h=11 m=56
